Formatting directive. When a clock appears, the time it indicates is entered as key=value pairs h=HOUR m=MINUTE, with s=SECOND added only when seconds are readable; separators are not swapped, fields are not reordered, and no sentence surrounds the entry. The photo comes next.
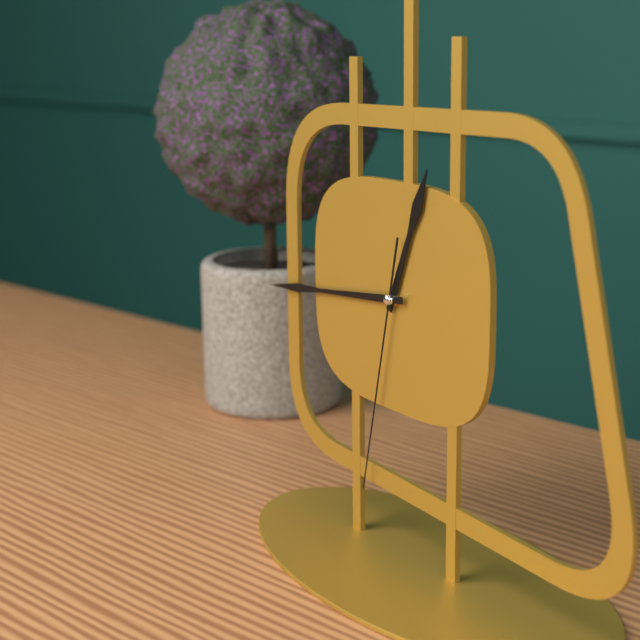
h=12 m=44 s=32
